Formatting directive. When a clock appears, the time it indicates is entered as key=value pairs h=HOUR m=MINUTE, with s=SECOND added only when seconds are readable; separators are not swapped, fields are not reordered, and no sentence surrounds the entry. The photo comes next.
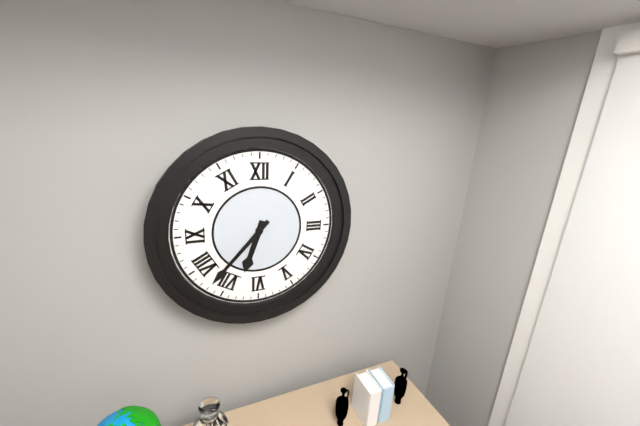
h=6 m=37
